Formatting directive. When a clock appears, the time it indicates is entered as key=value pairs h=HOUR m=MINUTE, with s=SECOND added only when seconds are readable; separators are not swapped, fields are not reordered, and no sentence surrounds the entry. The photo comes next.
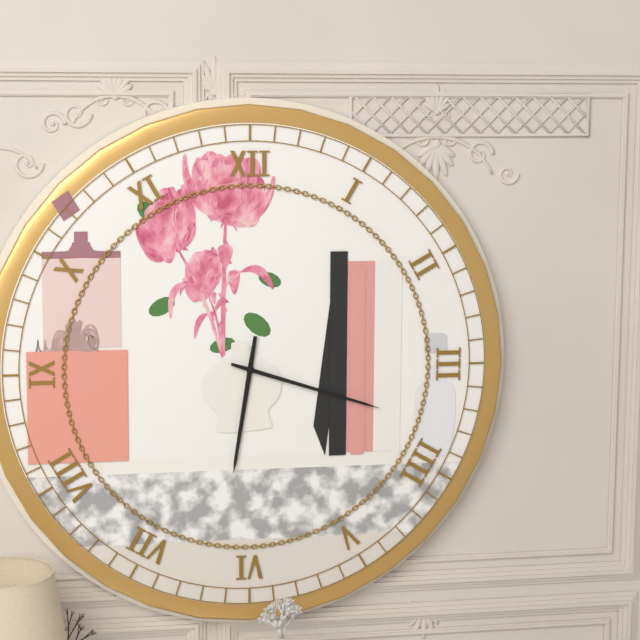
h=6 m=18
